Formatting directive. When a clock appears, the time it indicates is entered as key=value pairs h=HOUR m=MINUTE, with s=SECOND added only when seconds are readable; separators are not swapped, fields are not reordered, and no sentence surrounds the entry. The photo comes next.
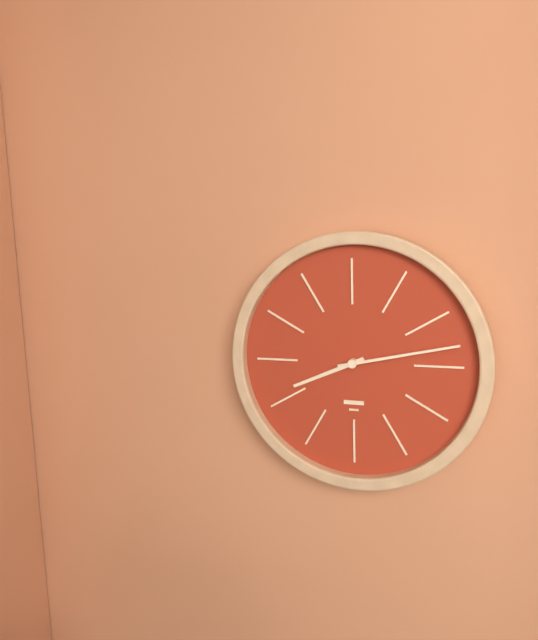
h=8 m=13
